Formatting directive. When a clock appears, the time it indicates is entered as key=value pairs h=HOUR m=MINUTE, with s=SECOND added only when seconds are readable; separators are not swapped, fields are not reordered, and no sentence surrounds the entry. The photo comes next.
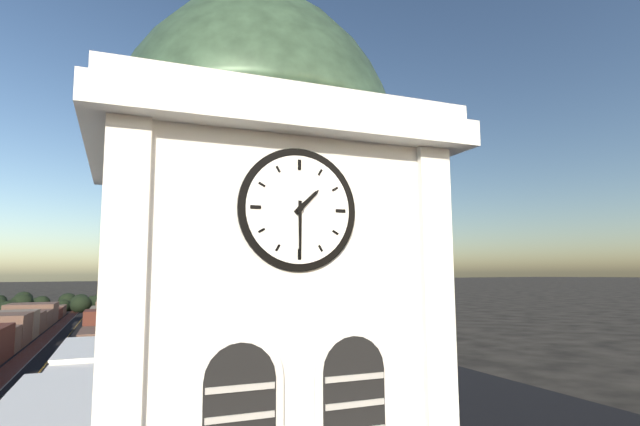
h=1 m=30
